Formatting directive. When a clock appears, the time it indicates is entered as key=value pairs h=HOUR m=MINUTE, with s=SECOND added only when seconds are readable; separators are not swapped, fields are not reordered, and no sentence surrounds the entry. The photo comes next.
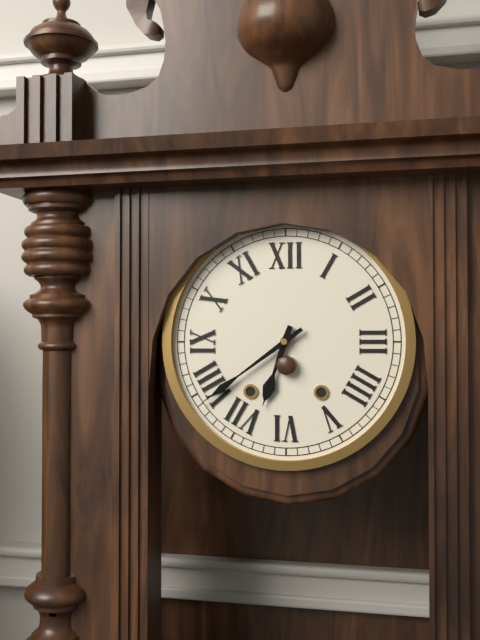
h=6 m=39
